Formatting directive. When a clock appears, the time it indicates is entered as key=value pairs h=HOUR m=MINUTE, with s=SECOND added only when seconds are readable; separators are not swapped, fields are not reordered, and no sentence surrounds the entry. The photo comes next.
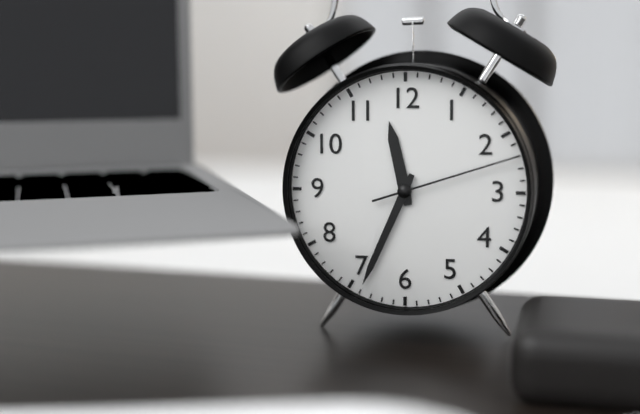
h=11 m=34 s=12
